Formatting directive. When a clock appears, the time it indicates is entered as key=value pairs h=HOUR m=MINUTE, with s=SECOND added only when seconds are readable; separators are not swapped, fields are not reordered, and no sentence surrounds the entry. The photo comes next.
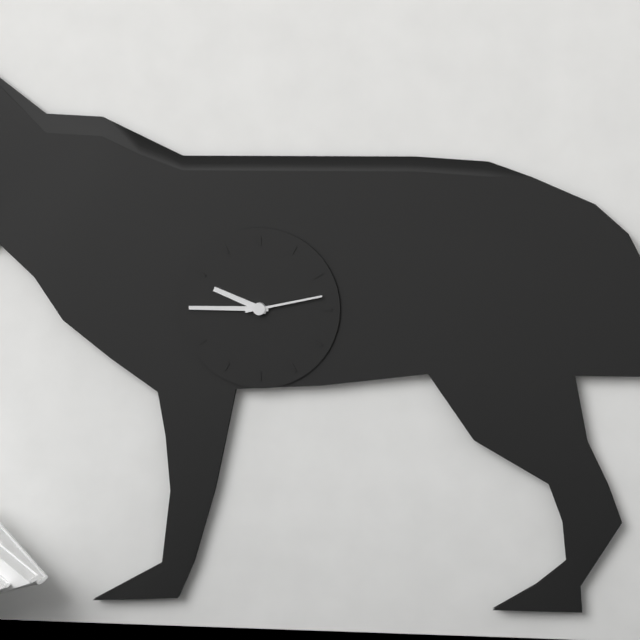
h=9 m=45 s=13
